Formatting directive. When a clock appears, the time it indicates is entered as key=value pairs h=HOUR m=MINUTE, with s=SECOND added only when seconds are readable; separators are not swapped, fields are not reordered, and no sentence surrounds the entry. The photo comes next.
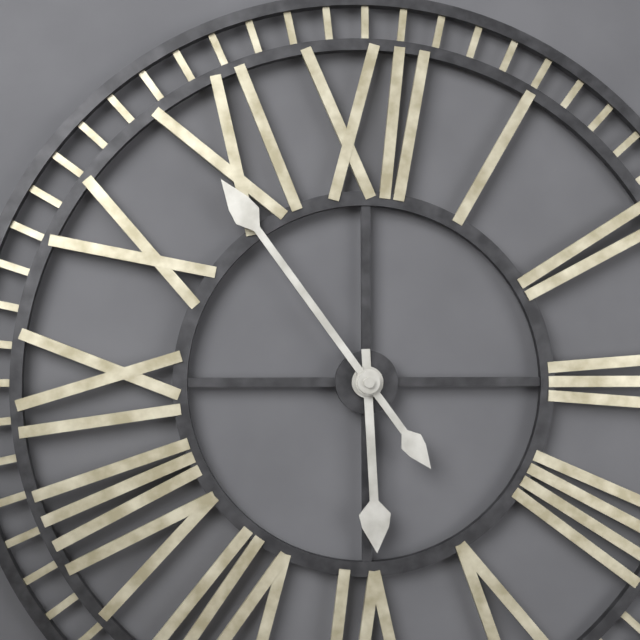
h=5 m=54
